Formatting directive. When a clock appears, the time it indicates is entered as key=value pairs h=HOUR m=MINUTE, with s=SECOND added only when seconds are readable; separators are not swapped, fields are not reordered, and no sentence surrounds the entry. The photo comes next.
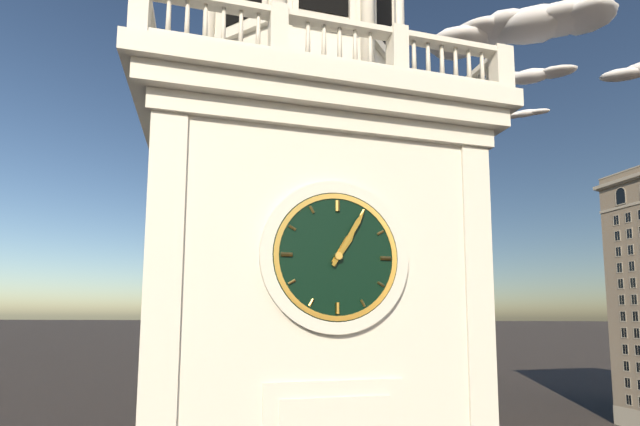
h=1 m=5
